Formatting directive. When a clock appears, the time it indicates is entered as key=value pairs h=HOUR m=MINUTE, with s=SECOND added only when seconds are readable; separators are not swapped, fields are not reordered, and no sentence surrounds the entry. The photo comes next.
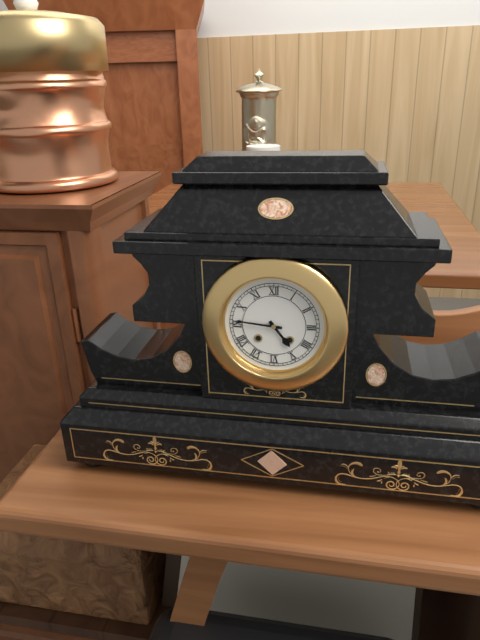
h=4 m=46
